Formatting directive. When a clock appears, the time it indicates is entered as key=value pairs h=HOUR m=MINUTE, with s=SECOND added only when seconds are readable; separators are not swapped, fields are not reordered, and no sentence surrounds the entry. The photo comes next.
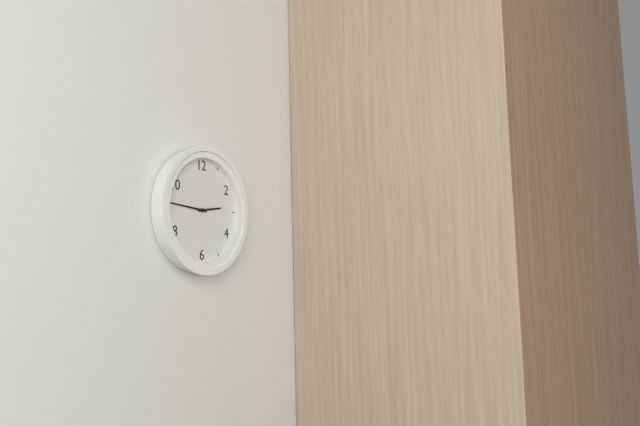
h=2 m=46
